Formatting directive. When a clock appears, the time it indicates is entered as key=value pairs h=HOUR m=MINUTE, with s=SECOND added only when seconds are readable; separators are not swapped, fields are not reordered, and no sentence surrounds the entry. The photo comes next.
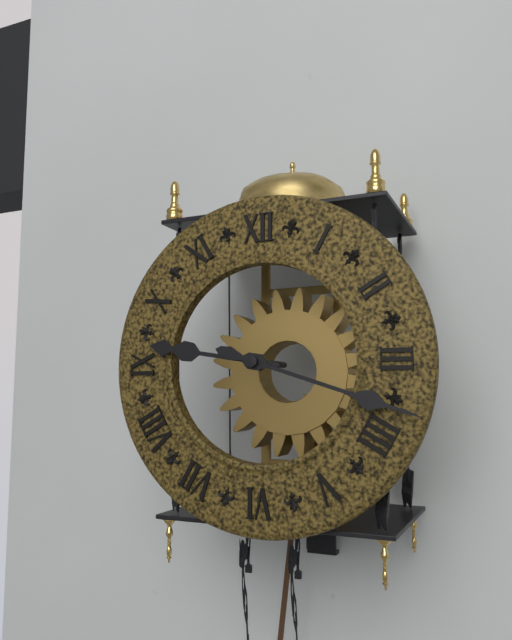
h=9 m=18
